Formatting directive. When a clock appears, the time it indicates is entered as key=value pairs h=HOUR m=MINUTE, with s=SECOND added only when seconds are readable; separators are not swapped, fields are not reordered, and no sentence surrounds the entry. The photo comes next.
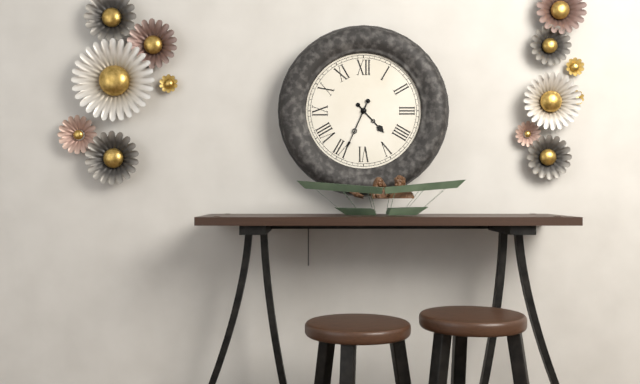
h=4 m=34
